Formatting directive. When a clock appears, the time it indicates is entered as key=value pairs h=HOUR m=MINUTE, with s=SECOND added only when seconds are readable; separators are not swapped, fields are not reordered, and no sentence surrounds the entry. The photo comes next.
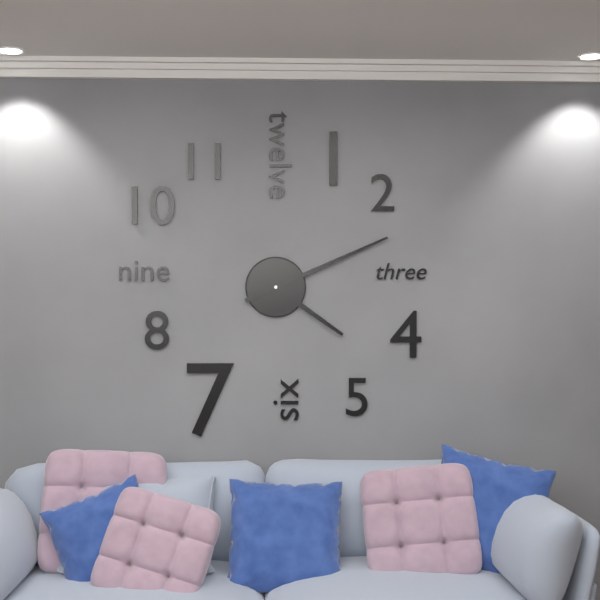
h=4 m=11
